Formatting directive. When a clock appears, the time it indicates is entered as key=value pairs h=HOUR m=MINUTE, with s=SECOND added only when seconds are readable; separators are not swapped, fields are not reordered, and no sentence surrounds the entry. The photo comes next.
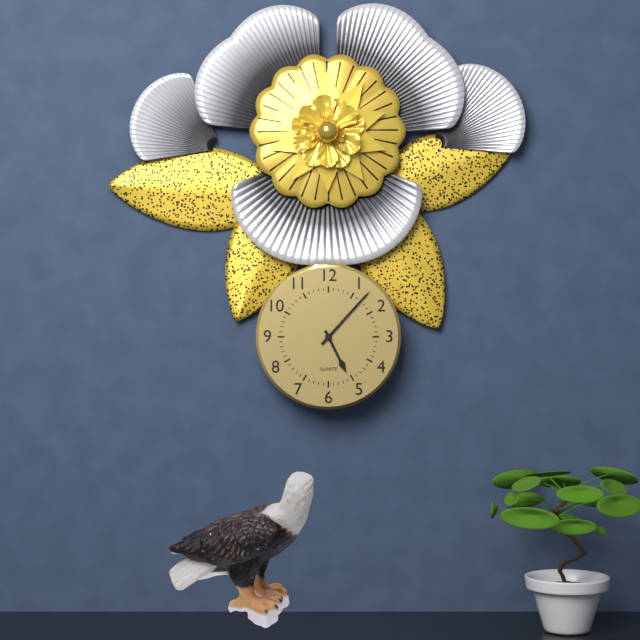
h=5 m=7
